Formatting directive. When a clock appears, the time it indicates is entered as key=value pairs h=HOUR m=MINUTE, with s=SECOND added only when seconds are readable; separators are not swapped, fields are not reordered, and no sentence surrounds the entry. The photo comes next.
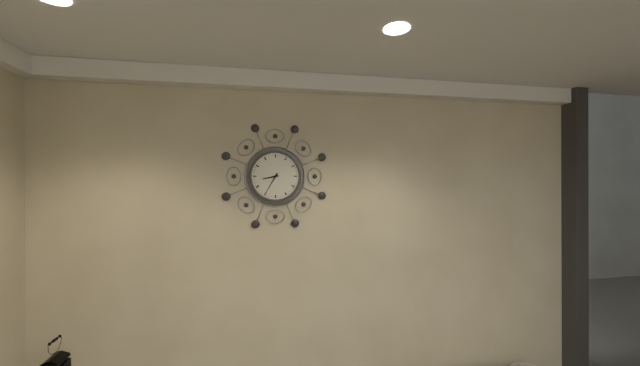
h=8 m=35
